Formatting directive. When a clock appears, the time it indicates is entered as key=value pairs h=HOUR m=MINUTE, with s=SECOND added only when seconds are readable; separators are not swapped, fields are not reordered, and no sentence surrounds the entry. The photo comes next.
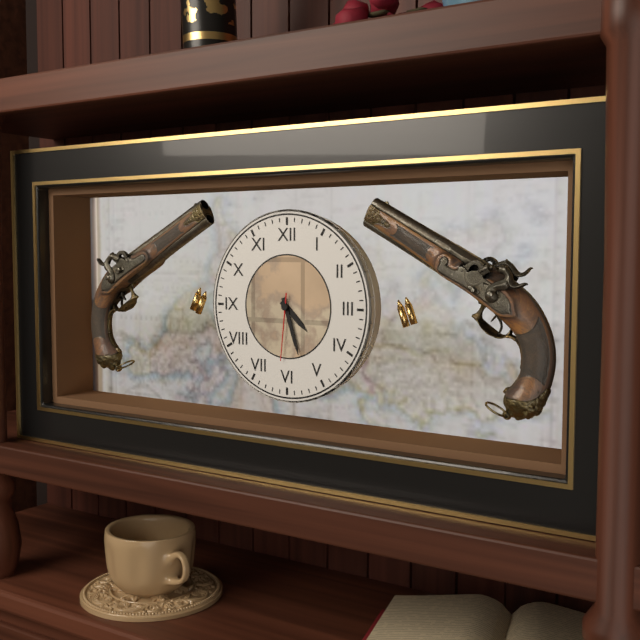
h=4 m=27 s=31
